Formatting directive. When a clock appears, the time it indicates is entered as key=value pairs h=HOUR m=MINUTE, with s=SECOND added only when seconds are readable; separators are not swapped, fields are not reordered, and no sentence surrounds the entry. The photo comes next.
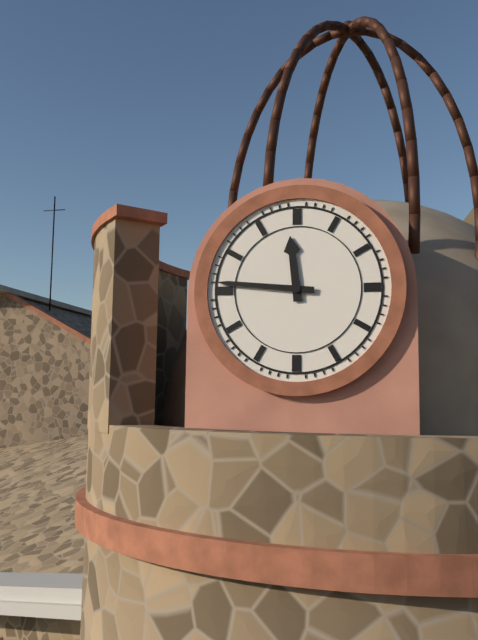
h=11 m=46
